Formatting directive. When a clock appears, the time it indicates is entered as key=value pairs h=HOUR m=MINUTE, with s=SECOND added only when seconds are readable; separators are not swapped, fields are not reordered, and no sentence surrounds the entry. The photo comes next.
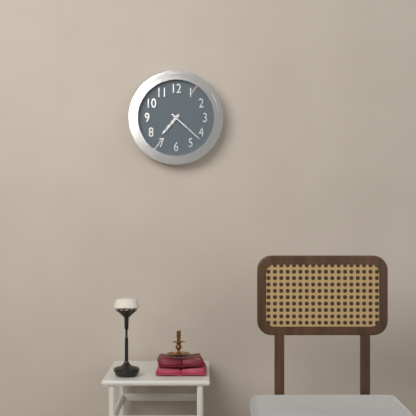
h=7 m=22
